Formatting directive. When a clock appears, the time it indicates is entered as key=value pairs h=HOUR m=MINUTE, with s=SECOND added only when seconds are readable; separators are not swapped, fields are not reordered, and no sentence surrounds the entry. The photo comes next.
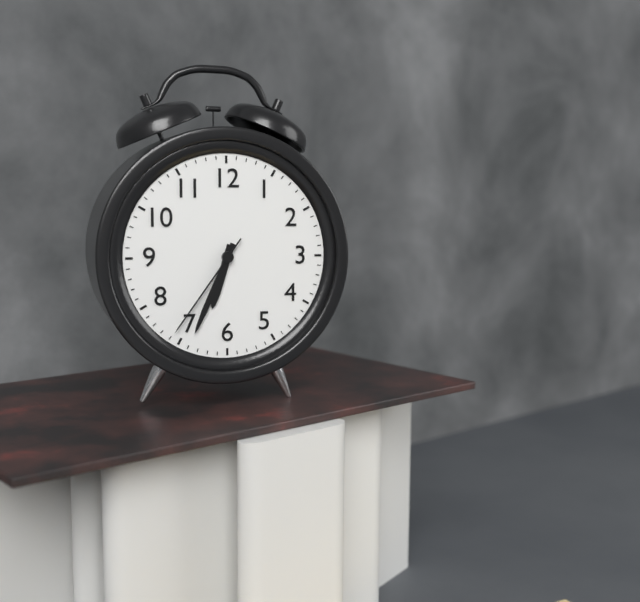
h=6 m=34 s=36
